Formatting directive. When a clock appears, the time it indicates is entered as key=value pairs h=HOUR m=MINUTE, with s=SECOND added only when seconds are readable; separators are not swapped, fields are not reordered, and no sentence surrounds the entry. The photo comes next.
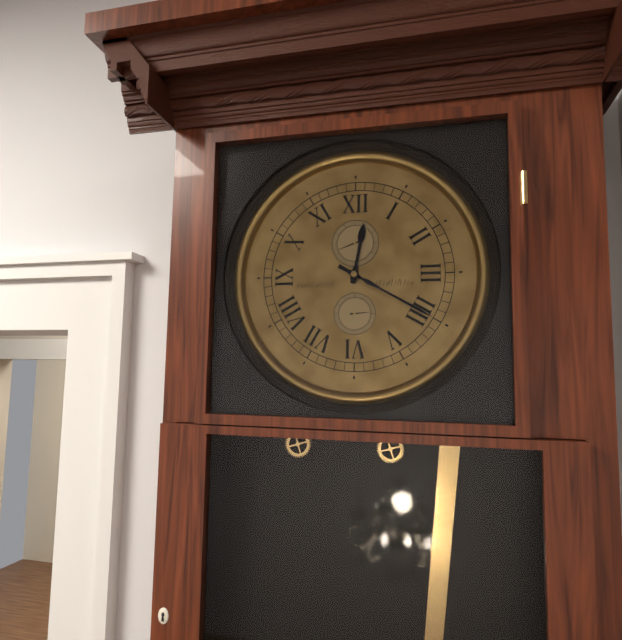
h=12 m=20
